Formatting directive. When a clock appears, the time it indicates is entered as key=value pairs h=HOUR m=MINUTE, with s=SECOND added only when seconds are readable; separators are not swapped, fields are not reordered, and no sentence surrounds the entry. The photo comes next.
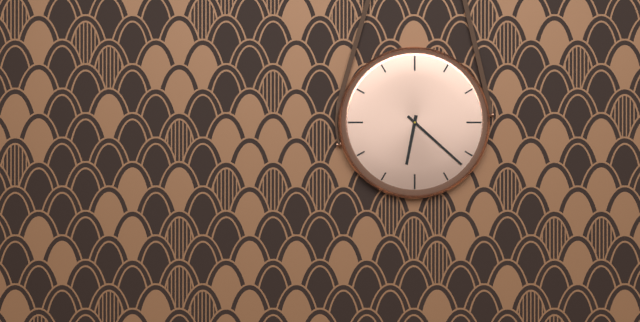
h=6 m=22
